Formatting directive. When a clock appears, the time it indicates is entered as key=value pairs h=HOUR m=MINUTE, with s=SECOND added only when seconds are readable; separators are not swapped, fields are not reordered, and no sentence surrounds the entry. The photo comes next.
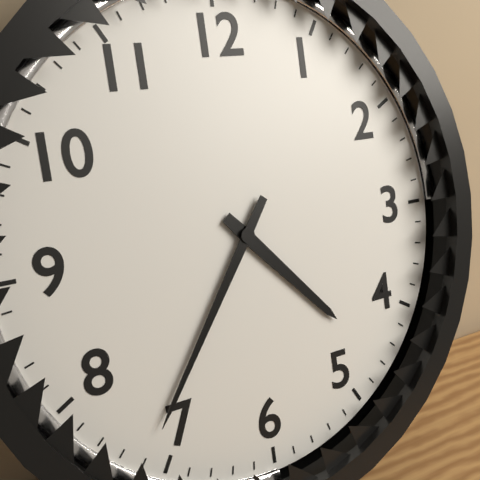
h=4 m=36
